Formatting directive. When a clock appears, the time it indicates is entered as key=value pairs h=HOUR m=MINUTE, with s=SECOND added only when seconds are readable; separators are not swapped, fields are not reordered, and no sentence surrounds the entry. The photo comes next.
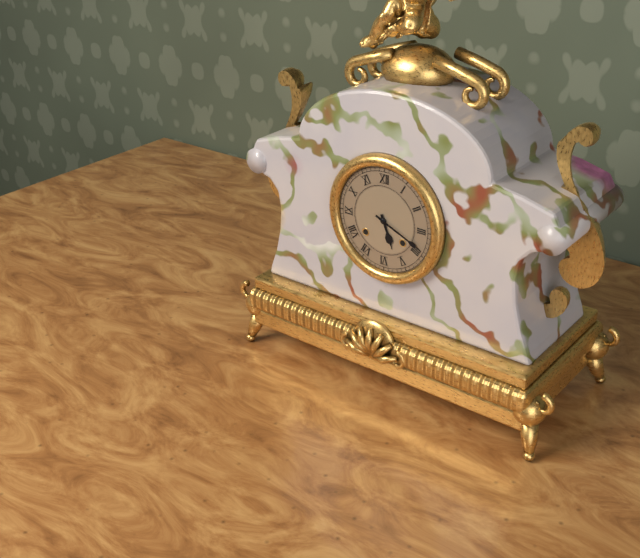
h=5 m=19
